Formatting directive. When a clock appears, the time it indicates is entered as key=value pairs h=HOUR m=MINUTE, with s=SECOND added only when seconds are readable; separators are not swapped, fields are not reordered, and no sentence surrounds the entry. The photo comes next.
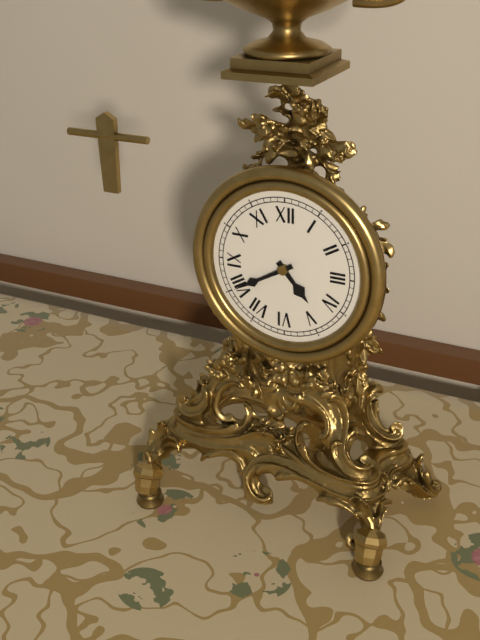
h=4 m=40
